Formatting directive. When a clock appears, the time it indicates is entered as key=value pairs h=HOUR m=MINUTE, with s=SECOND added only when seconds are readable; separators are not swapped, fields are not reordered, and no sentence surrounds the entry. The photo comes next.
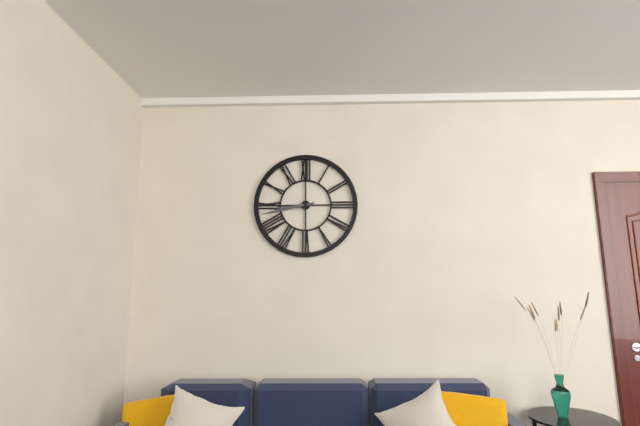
h=8 m=43
